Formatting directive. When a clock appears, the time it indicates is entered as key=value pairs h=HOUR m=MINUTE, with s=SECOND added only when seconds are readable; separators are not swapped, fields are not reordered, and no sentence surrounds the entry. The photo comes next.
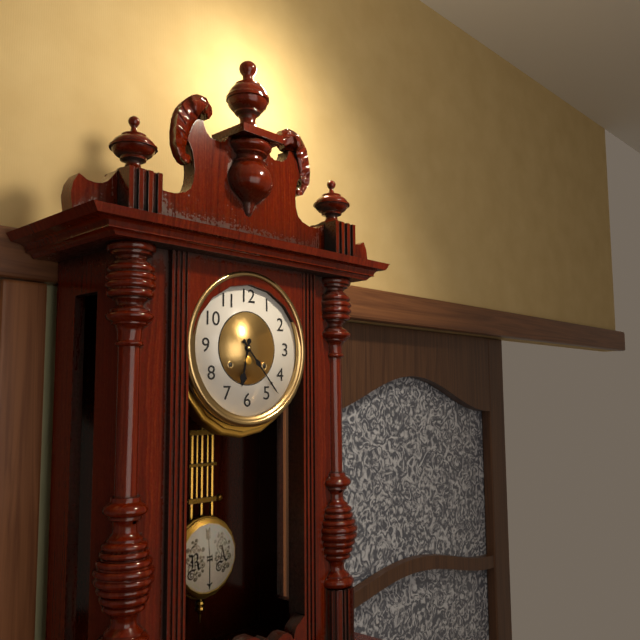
h=6 m=23
